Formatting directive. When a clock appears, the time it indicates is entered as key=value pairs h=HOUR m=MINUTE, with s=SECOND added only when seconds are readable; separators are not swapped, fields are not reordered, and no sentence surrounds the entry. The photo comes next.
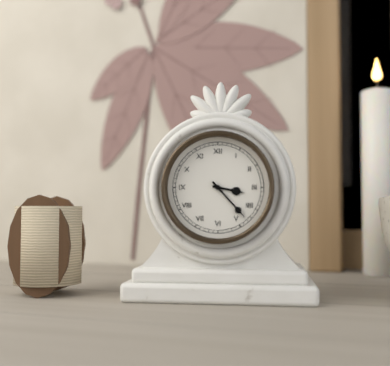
h=3 m=23
